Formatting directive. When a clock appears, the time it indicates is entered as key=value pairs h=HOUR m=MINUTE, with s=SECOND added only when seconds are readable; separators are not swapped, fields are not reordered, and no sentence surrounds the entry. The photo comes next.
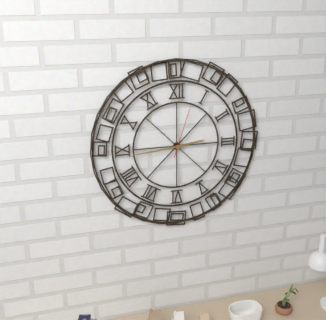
h=2 m=44 s=3
